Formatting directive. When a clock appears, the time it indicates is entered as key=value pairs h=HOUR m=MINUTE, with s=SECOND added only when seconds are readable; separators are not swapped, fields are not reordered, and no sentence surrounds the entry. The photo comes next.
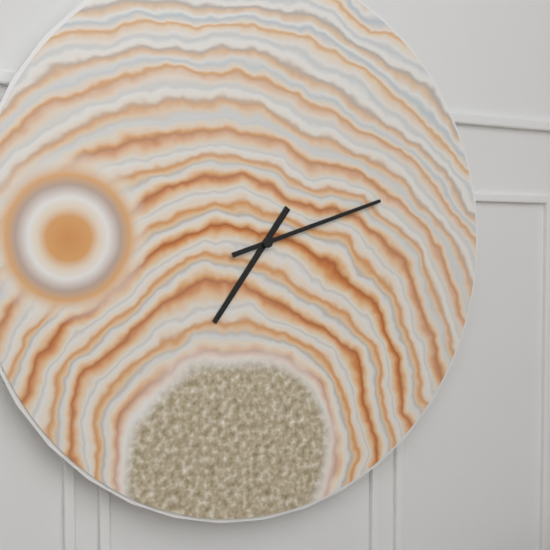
h=7 m=12
